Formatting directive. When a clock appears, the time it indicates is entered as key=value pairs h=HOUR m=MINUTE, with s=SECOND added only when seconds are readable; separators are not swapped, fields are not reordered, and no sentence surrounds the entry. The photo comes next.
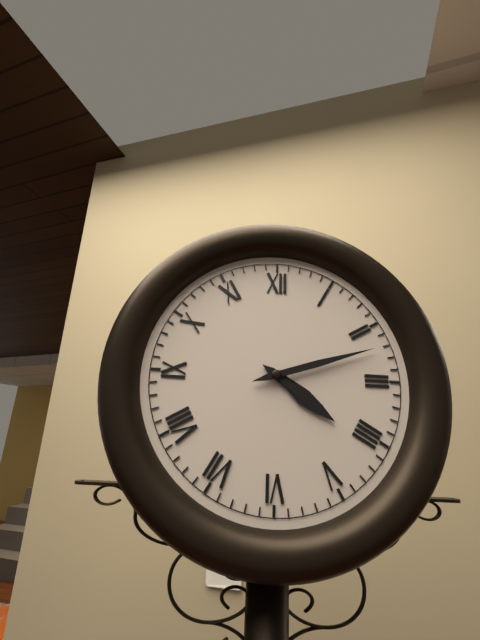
h=4 m=12
